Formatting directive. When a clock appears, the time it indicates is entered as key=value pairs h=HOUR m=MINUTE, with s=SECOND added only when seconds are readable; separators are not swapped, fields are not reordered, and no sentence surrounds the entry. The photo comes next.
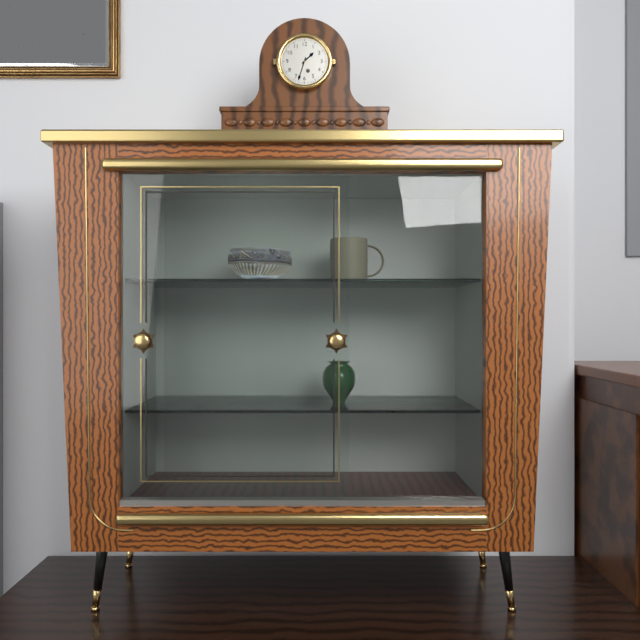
h=1 m=33
